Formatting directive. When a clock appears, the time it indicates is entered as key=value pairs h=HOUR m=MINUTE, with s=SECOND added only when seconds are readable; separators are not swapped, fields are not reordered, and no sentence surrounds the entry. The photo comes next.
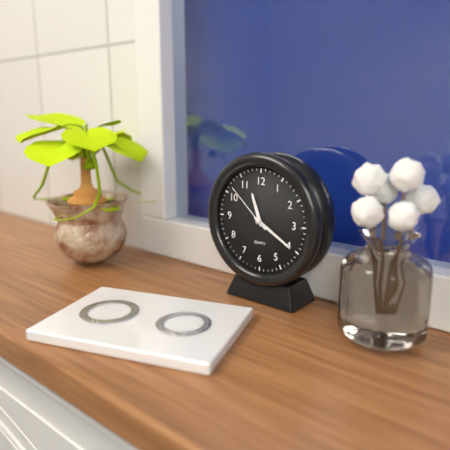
h=11 m=20 s=52
